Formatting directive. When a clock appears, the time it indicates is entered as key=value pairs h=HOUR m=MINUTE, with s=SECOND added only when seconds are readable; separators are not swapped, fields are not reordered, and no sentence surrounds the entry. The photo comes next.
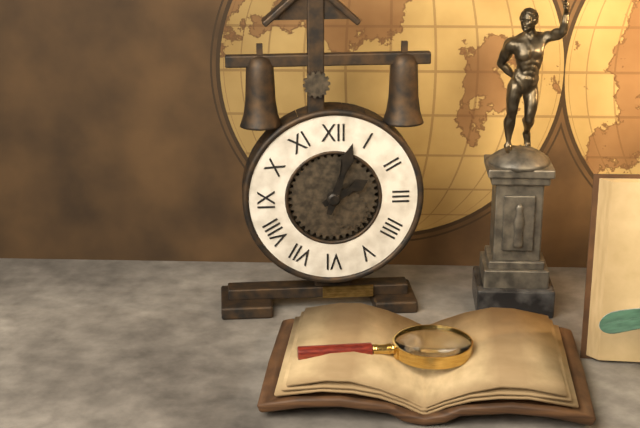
h=2 m=3
